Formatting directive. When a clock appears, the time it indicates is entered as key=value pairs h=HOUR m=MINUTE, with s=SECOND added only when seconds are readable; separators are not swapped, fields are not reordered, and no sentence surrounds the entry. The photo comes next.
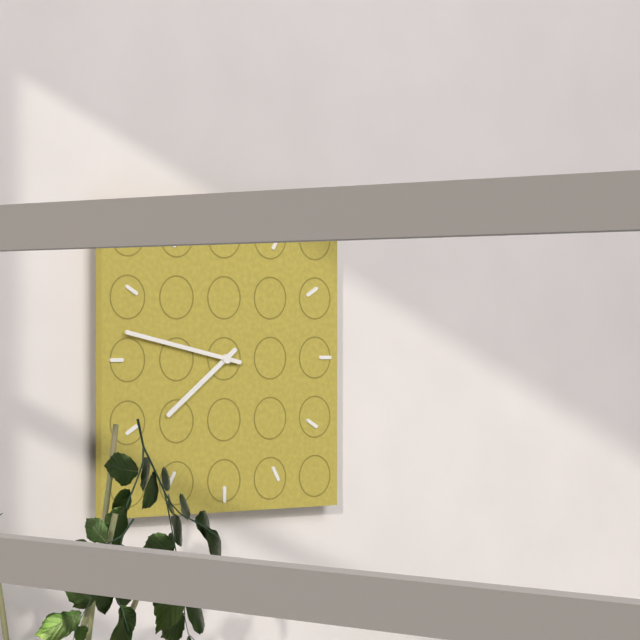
h=7 m=47
